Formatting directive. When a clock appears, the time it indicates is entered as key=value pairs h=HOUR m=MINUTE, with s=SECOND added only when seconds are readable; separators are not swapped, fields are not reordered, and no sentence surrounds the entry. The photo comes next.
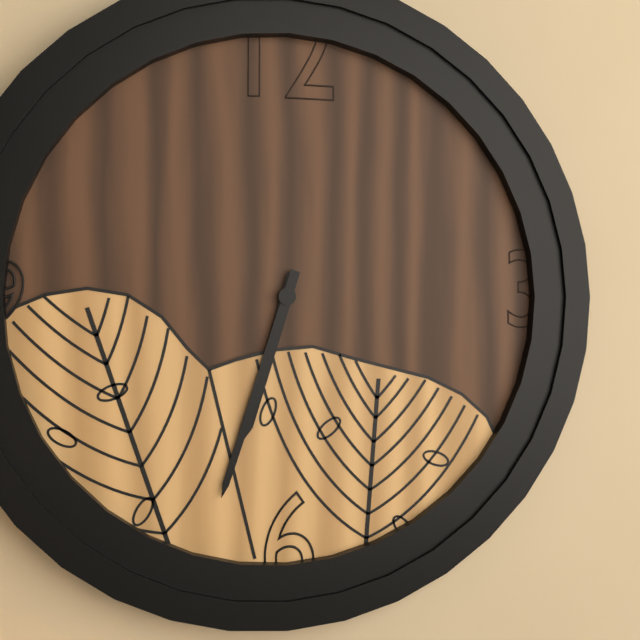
h=6 m=33
